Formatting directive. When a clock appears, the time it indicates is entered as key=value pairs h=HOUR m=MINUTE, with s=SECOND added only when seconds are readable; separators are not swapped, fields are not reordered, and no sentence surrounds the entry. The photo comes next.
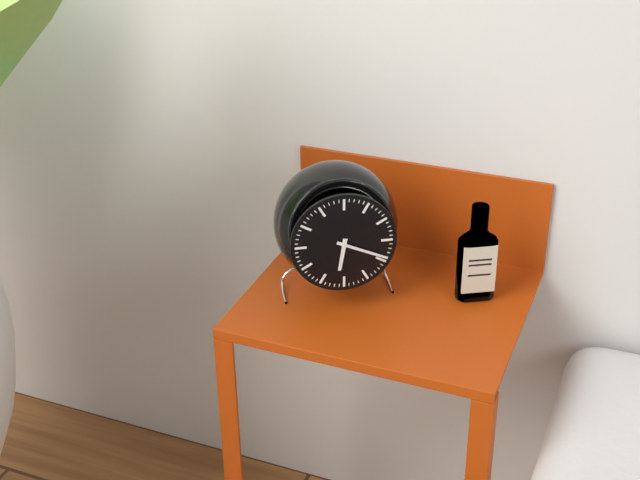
h=6 m=19
